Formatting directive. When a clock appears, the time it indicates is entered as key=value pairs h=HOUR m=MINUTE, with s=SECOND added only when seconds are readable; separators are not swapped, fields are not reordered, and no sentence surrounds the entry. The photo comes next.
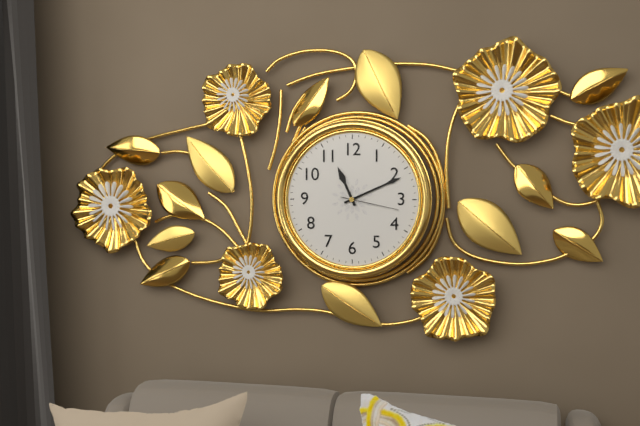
h=11 m=11 s=17
